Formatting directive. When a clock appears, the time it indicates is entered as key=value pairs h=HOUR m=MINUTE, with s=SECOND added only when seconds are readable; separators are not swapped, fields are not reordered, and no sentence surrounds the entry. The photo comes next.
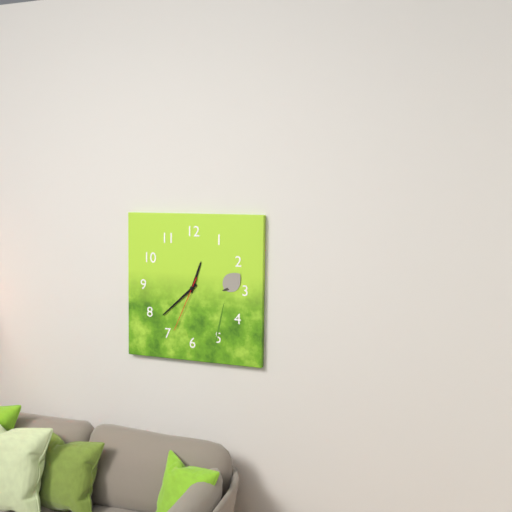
h=12 m=38 s=34
